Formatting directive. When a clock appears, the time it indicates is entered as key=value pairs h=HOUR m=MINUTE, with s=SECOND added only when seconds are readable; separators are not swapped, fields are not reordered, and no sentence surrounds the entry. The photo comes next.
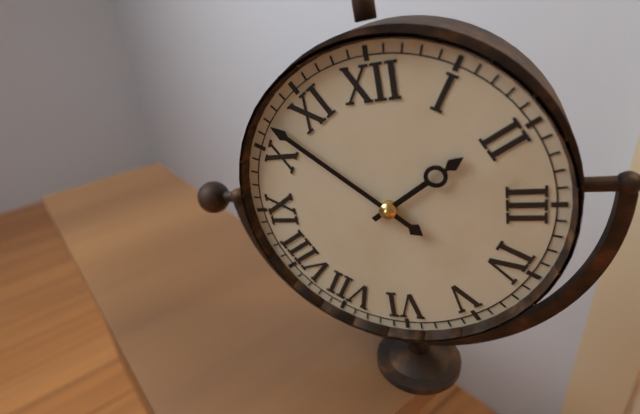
h=1 m=52
